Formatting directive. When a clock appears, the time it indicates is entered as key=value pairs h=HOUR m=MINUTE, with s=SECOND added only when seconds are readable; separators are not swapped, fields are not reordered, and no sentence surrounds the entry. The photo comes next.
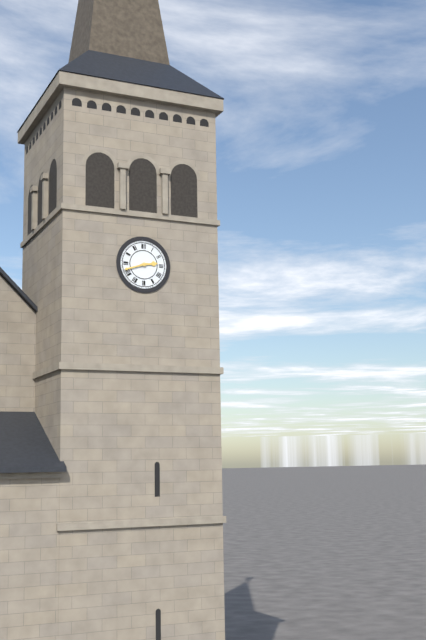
h=2 m=42
